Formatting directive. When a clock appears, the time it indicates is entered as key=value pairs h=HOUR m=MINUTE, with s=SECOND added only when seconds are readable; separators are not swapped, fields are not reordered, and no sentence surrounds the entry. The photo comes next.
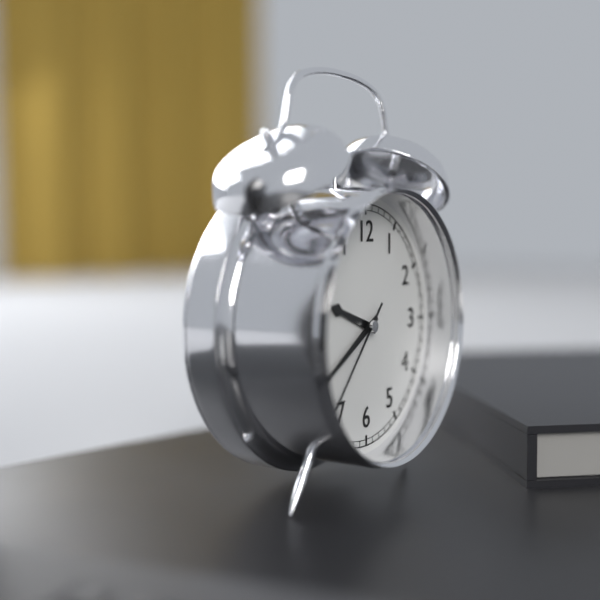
h=9 m=40 s=37
